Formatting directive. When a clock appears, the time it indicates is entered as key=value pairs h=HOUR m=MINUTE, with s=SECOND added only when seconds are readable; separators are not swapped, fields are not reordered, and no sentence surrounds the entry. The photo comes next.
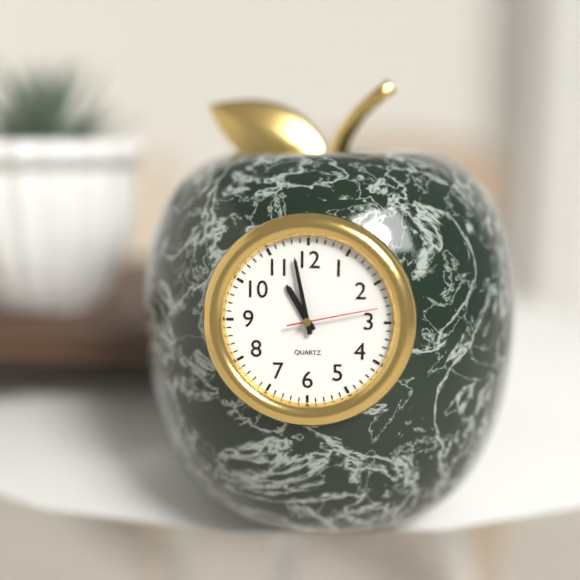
h=10 m=58 s=13
